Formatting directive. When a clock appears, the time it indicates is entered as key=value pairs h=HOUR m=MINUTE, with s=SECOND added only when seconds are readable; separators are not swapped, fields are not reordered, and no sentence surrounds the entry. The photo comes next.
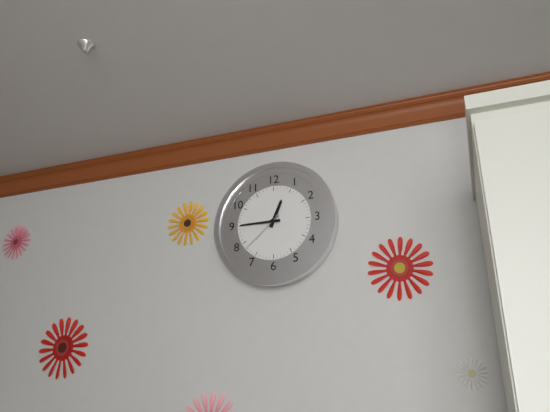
h=12 m=45
